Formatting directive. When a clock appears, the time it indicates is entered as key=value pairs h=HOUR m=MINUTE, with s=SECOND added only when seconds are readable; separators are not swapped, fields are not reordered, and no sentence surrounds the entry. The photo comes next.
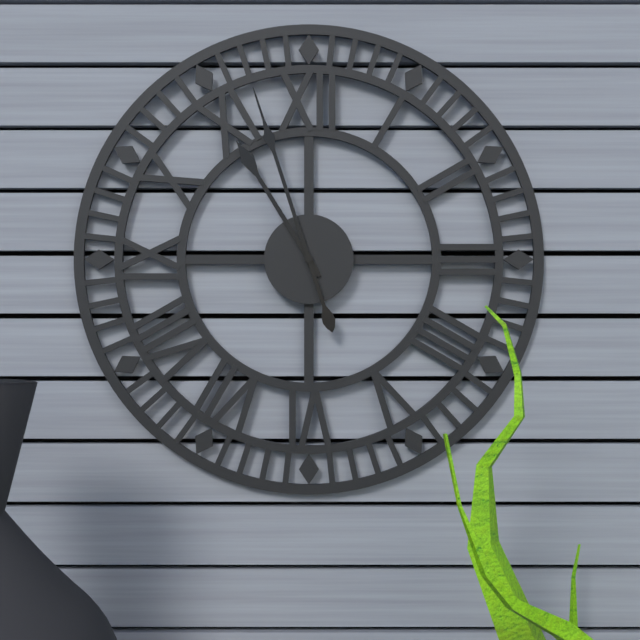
h=10 m=57
